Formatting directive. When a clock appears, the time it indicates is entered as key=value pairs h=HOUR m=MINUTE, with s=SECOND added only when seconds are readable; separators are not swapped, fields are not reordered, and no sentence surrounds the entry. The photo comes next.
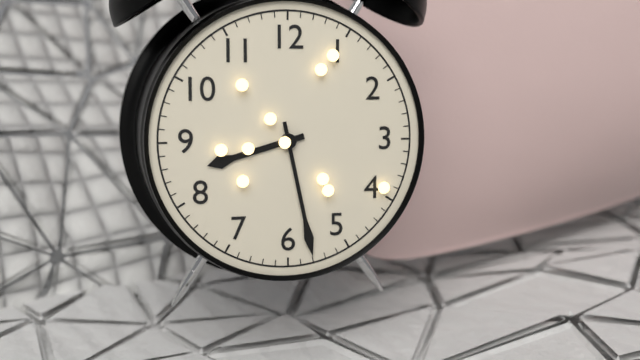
h=8 m=28
